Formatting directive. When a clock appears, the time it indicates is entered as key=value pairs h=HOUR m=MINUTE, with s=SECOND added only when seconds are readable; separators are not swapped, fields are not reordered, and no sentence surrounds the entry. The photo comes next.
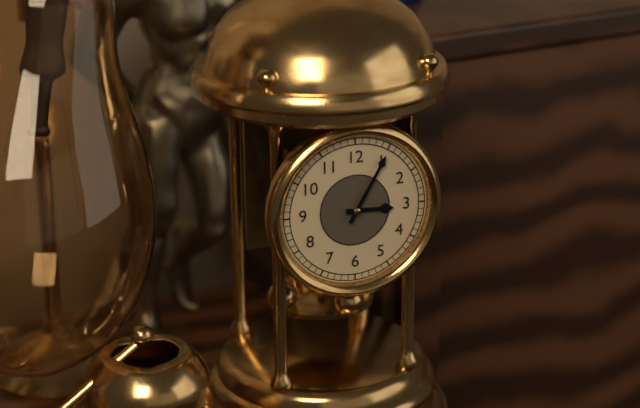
h=3 m=5
